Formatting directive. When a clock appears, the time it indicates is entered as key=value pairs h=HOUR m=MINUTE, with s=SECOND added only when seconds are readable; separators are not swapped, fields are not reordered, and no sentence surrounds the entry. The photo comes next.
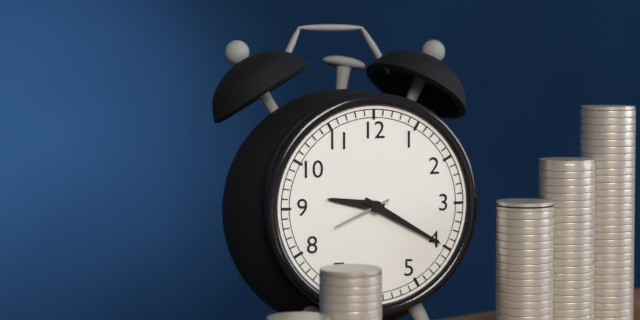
h=9 m=20 s=41
